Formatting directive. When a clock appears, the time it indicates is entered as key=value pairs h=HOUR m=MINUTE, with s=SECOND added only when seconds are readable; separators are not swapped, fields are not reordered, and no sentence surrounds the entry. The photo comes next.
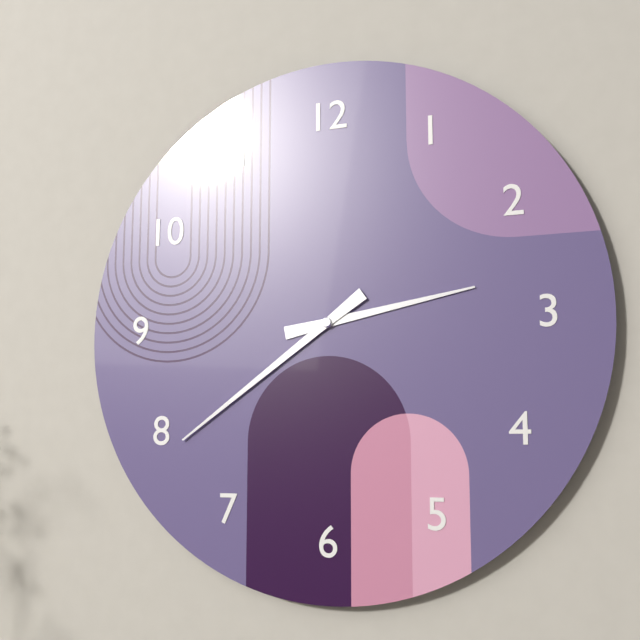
h=2 m=39
